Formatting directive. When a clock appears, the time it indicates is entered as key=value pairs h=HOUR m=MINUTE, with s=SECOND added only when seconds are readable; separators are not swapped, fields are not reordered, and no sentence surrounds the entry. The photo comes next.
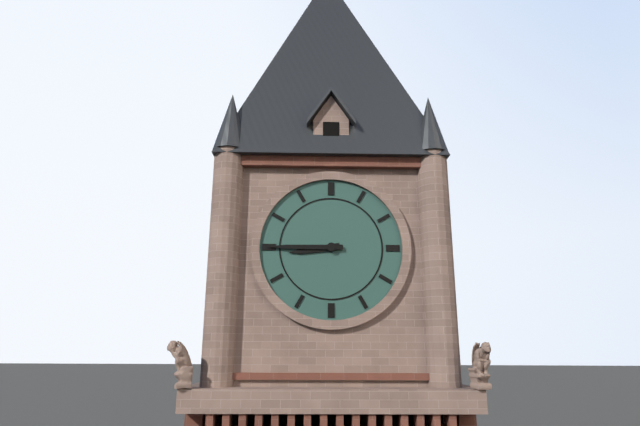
h=8 m=45
